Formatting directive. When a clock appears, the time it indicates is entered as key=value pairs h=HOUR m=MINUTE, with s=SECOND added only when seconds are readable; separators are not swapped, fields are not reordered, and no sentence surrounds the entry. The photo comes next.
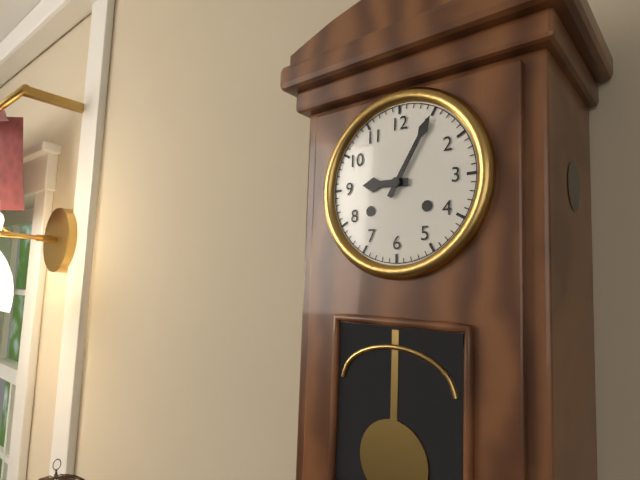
h=9 m=5
